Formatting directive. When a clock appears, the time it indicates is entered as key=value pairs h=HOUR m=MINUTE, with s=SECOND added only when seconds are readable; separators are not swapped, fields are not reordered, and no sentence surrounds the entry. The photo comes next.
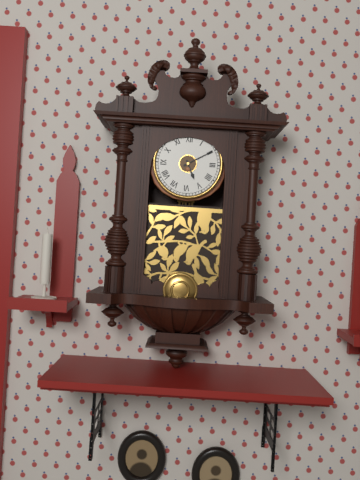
h=5 m=10
